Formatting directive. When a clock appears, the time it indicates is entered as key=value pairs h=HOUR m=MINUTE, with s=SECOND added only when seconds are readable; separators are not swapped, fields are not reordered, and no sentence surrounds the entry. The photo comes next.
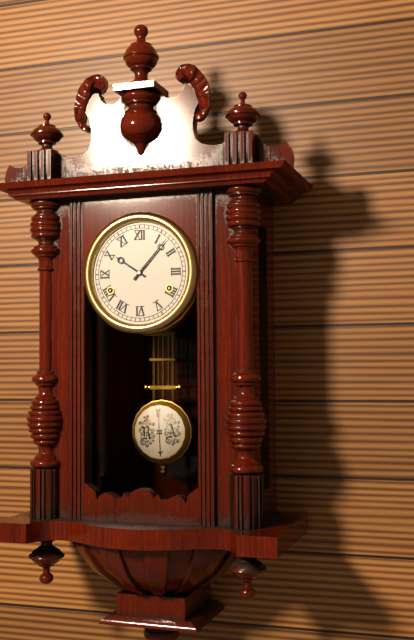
h=10 m=7
